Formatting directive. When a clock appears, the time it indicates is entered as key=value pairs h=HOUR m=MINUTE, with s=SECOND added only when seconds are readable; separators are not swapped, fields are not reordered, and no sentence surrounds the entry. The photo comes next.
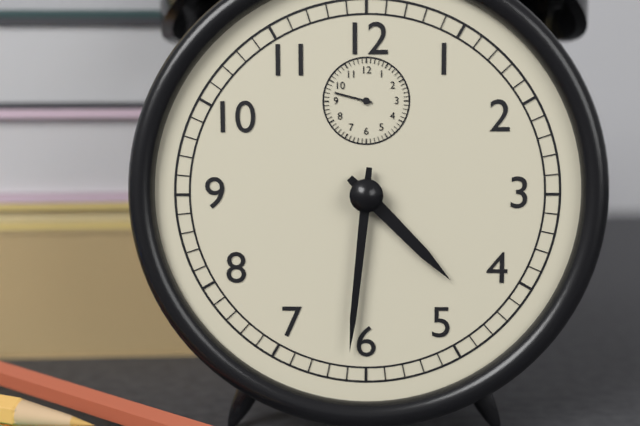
h=4 m=31
